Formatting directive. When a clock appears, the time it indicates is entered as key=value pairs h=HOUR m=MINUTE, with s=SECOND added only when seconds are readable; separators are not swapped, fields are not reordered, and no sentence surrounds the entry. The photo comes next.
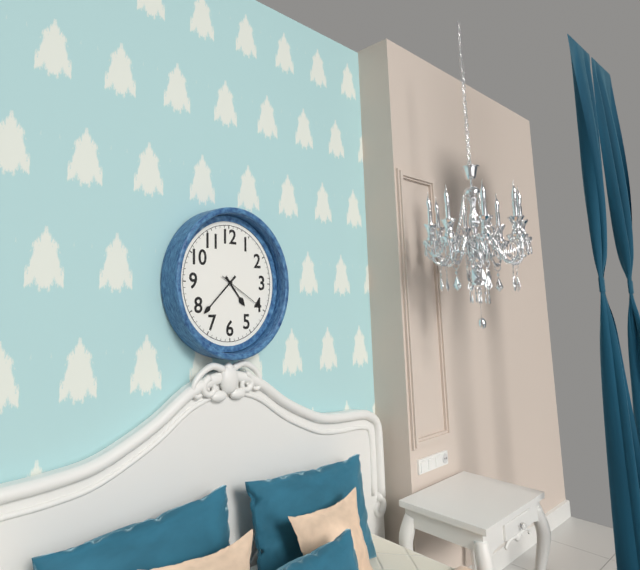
h=4 m=38
